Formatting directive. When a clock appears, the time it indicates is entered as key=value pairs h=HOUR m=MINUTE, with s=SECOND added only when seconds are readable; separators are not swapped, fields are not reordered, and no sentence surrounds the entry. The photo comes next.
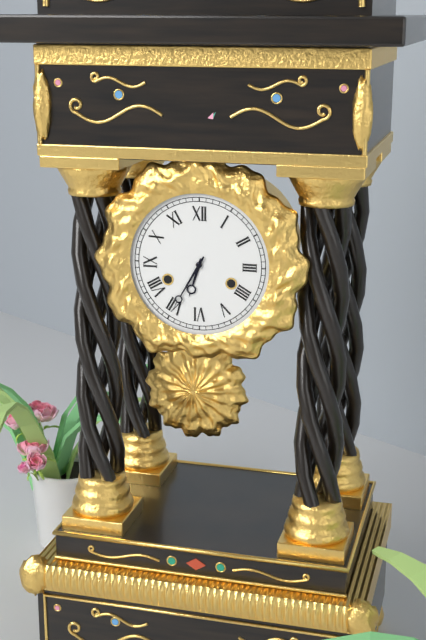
h=6 m=35
